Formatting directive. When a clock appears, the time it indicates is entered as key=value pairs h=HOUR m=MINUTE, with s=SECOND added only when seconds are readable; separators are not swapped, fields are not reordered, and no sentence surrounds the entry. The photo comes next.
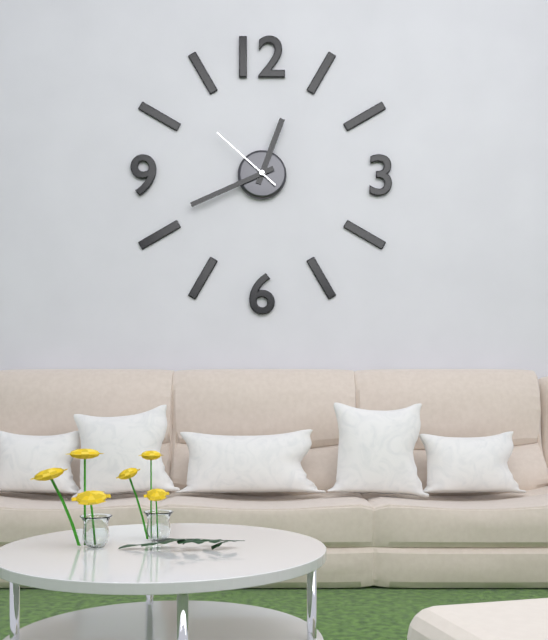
h=12 m=41 s=52
